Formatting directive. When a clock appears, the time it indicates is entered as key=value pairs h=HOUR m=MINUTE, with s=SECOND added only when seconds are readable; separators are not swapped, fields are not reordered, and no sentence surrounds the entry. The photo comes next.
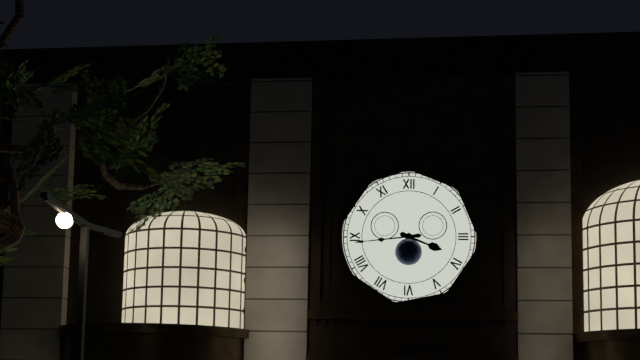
h=3 m=44
